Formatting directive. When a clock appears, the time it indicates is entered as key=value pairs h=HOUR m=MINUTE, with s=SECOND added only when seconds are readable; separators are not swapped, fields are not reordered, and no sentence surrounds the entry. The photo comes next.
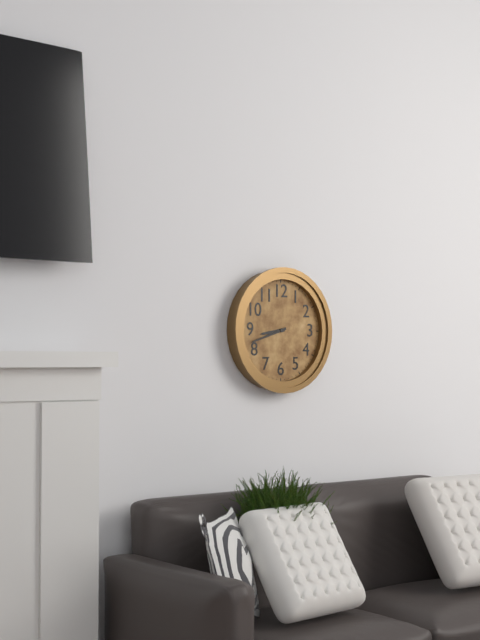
h=8 m=42
